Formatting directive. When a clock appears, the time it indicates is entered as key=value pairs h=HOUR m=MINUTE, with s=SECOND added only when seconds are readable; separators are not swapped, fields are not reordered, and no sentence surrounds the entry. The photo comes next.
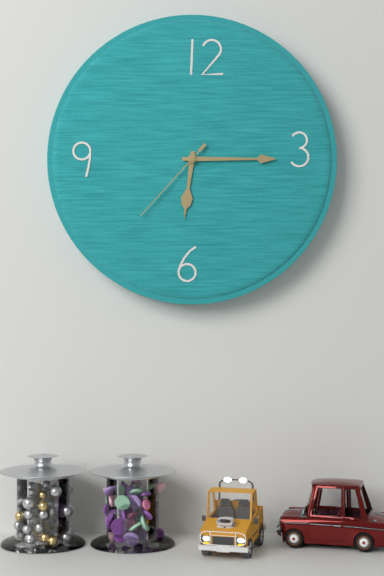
h=6 m=15 s=37
